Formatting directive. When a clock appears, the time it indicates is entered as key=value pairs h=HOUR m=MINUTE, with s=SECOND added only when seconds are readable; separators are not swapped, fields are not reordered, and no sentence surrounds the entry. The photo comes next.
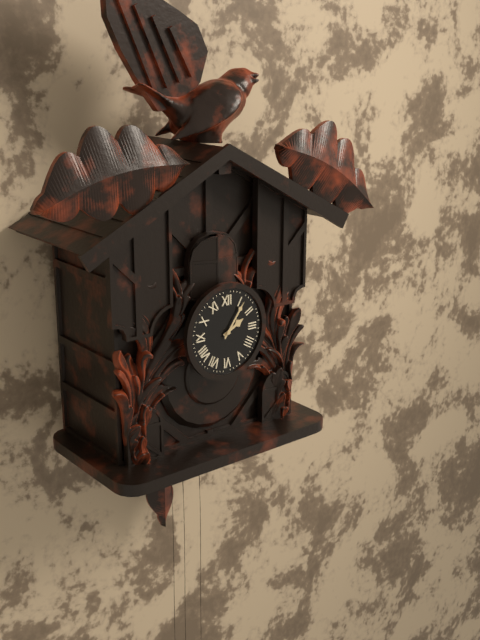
h=2 m=6
